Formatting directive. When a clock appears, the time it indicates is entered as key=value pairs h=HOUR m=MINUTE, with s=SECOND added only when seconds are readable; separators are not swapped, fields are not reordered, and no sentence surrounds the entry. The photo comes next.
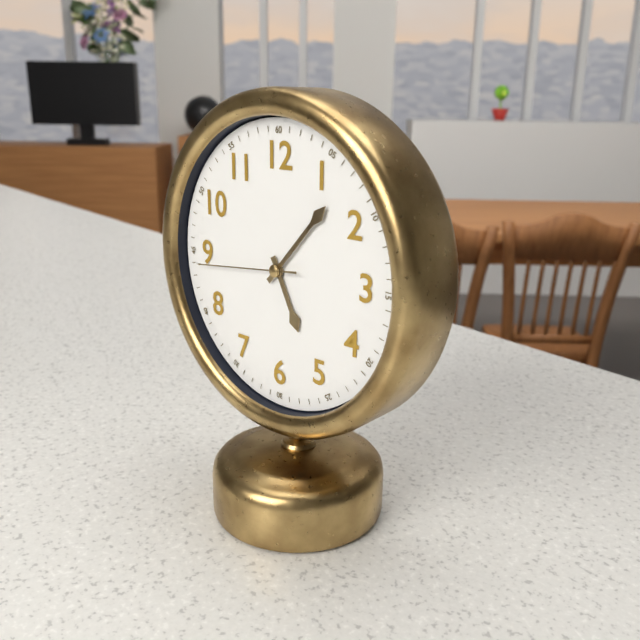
h=5 m=7 s=44
